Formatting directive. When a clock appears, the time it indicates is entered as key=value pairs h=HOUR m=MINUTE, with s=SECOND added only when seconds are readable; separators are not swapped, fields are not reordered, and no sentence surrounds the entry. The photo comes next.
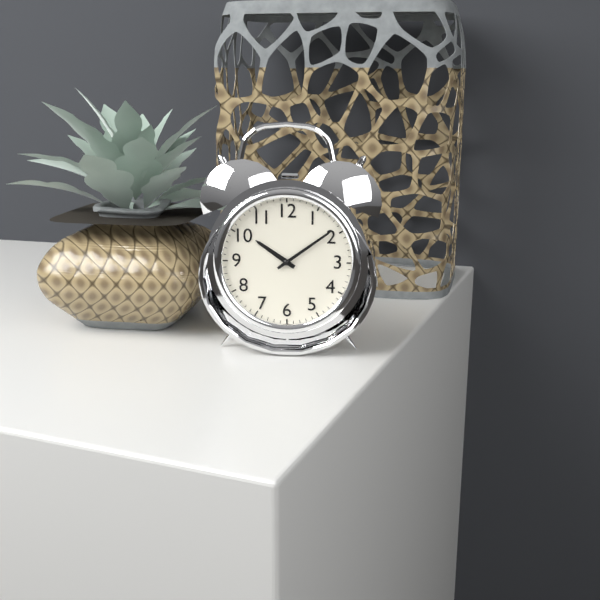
h=10 m=9
